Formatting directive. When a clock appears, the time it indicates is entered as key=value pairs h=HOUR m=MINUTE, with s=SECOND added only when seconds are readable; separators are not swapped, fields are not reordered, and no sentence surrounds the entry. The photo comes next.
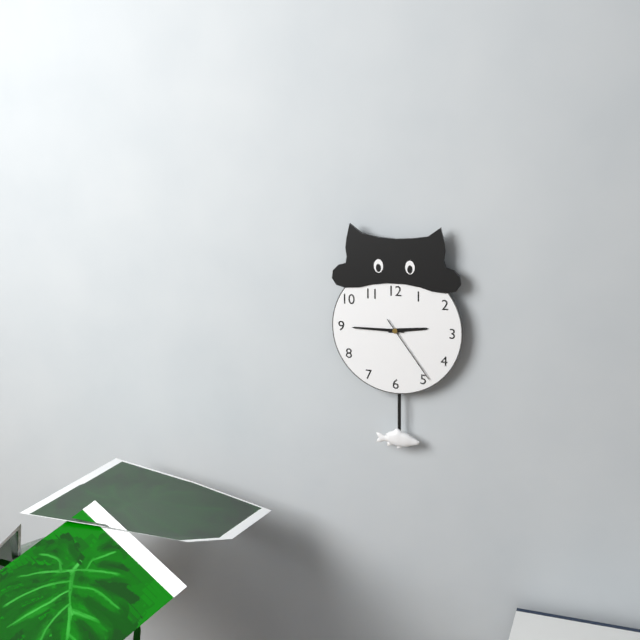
h=2 m=45 s=24
